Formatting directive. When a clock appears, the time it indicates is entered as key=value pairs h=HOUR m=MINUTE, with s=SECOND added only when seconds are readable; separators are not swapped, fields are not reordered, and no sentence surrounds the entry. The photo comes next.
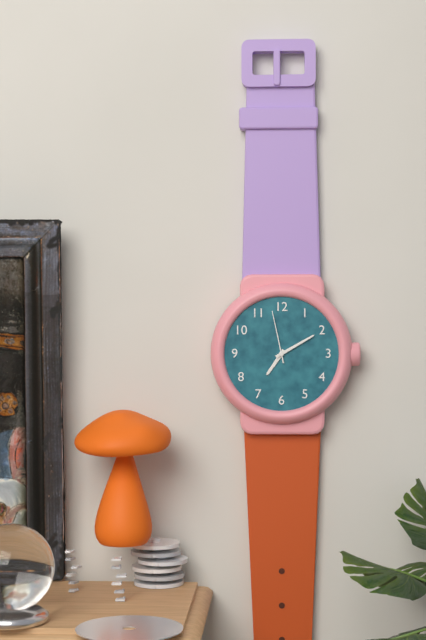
h=7 m=10 s=58
